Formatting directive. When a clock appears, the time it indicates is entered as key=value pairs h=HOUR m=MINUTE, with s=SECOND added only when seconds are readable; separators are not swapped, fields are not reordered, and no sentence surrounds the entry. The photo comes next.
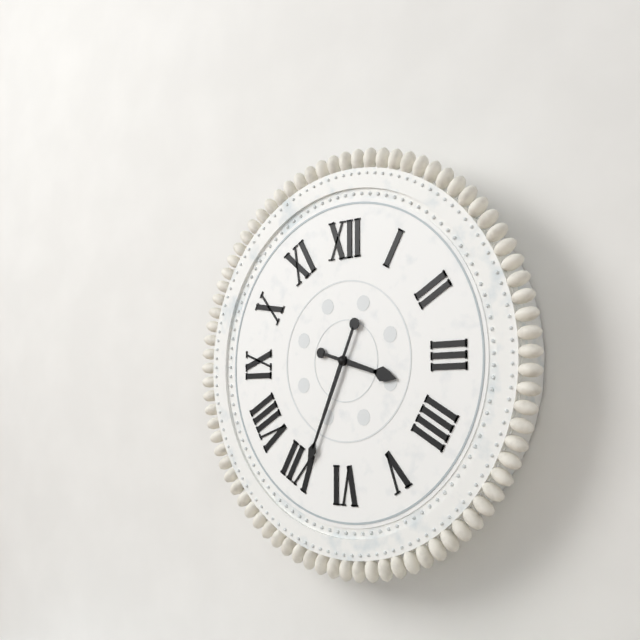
h=3 m=34
